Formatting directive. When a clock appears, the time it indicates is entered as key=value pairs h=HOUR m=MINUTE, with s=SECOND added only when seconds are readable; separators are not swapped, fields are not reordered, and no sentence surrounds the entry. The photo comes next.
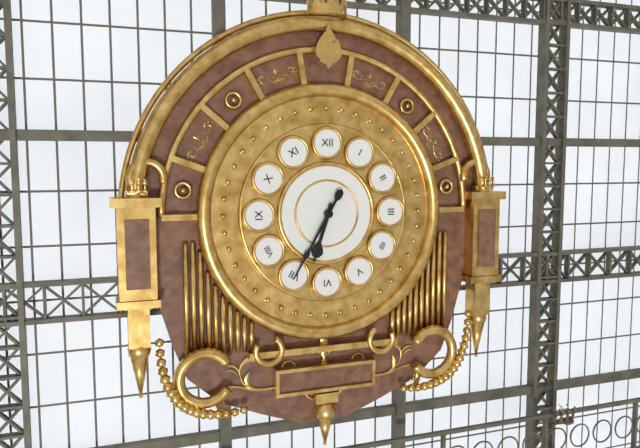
h=6 m=35
